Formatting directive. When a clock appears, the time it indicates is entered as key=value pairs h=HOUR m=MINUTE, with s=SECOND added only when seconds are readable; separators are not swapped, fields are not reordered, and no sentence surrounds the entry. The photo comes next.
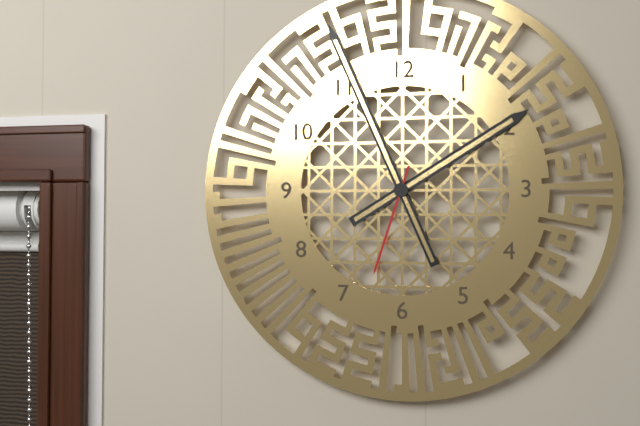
h=1 m=56 s=33
